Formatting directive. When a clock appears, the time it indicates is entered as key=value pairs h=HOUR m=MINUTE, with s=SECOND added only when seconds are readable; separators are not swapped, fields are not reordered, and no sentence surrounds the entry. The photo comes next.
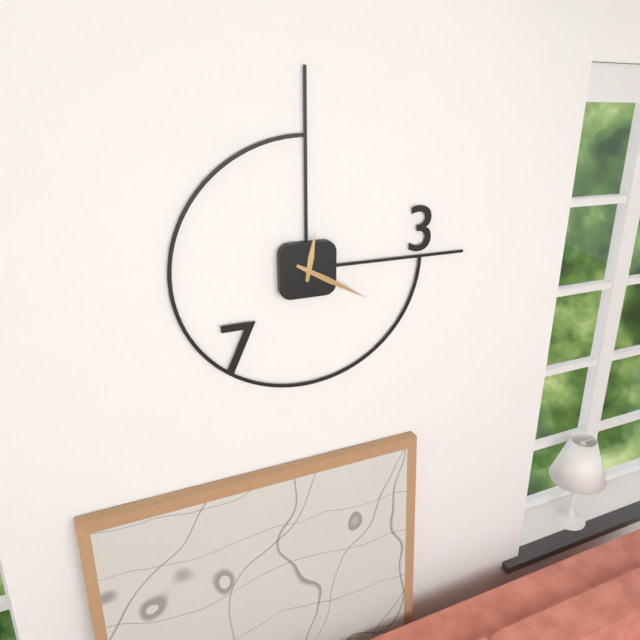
h=12 m=20
